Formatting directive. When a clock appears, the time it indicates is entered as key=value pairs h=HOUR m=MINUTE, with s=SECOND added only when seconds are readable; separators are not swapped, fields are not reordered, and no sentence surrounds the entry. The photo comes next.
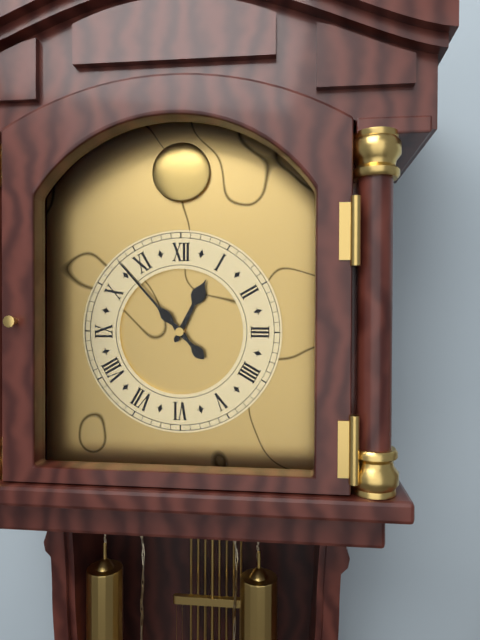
h=12 m=53
